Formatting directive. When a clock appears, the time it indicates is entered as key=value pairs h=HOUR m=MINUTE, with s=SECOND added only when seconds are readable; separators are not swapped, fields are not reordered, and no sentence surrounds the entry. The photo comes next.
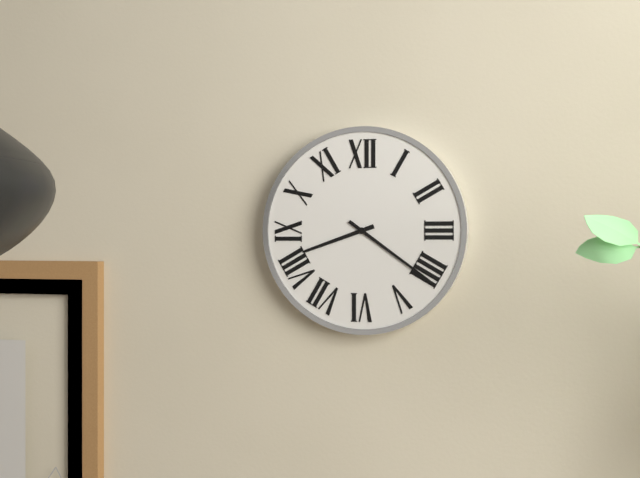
h=8 m=21
